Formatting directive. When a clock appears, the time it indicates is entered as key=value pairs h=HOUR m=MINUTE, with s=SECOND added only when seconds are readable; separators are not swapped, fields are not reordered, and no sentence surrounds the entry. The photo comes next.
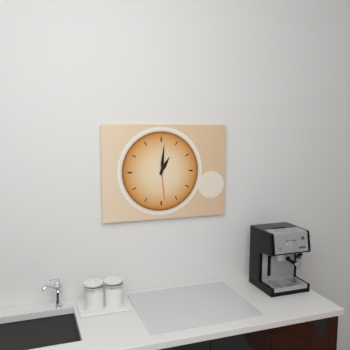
h=1 m=1
